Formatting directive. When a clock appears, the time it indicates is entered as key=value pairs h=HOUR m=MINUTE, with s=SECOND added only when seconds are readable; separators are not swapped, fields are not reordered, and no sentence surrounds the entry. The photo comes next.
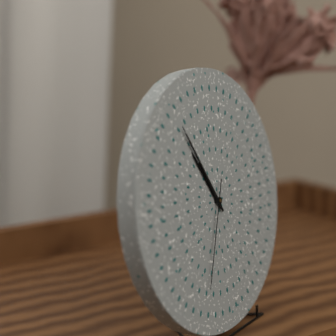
h=10 m=55 s=34
